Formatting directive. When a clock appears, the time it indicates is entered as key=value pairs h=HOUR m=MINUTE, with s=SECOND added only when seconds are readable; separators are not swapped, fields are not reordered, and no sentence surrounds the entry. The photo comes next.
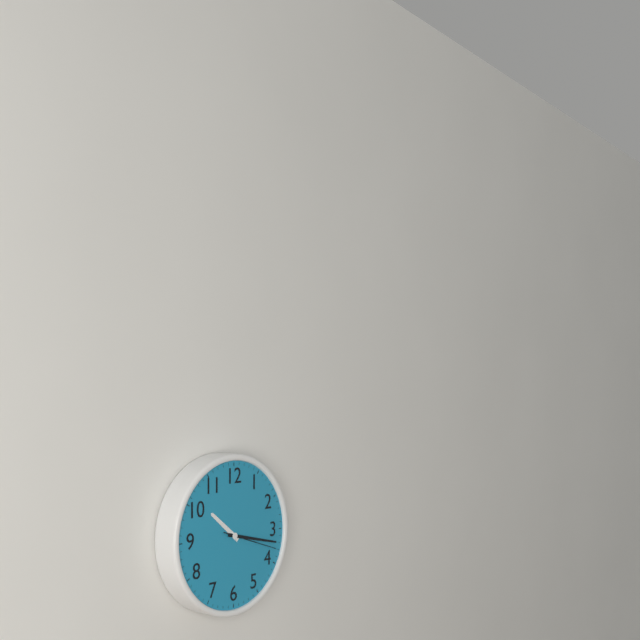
h=10 m=17 s=18
